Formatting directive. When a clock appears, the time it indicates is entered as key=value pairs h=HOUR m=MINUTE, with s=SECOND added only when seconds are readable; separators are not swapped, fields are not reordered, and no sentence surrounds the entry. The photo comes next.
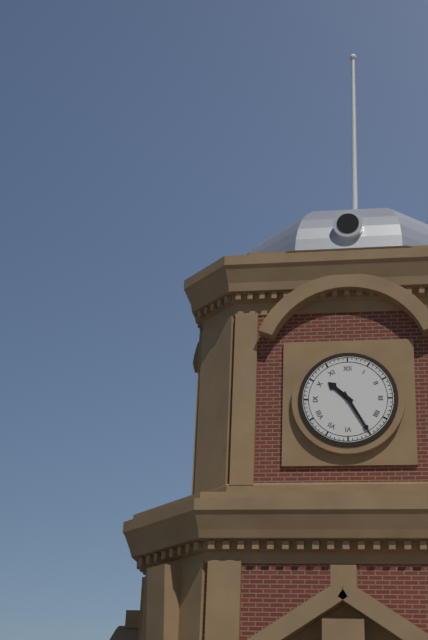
h=10 m=25
